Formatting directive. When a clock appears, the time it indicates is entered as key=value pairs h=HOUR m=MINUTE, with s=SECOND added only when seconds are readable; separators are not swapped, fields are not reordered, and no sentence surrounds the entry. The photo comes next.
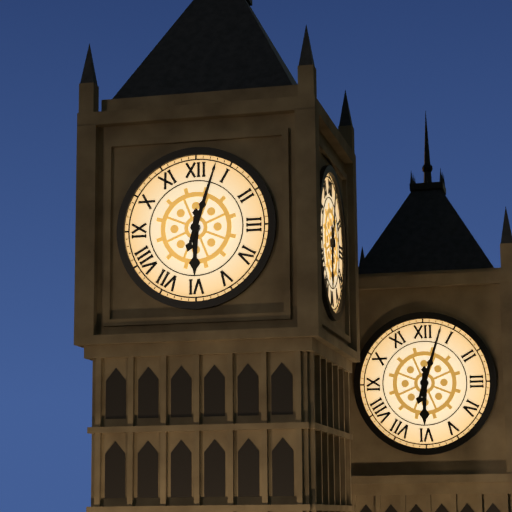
h=6 m=3
